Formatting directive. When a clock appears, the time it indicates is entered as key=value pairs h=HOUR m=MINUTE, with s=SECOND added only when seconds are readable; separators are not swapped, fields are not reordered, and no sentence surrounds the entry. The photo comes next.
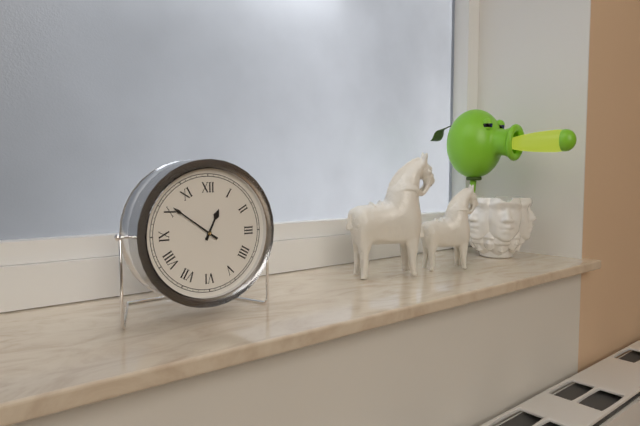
h=12 m=51
